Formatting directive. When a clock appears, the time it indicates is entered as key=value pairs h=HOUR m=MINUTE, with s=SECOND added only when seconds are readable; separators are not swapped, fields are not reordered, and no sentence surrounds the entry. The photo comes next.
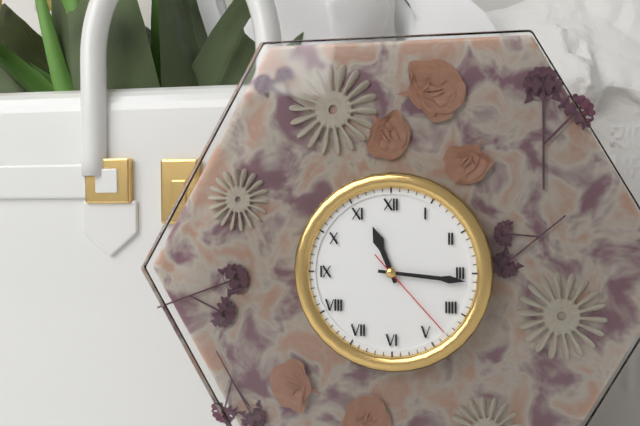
h=11 m=16 s=23
